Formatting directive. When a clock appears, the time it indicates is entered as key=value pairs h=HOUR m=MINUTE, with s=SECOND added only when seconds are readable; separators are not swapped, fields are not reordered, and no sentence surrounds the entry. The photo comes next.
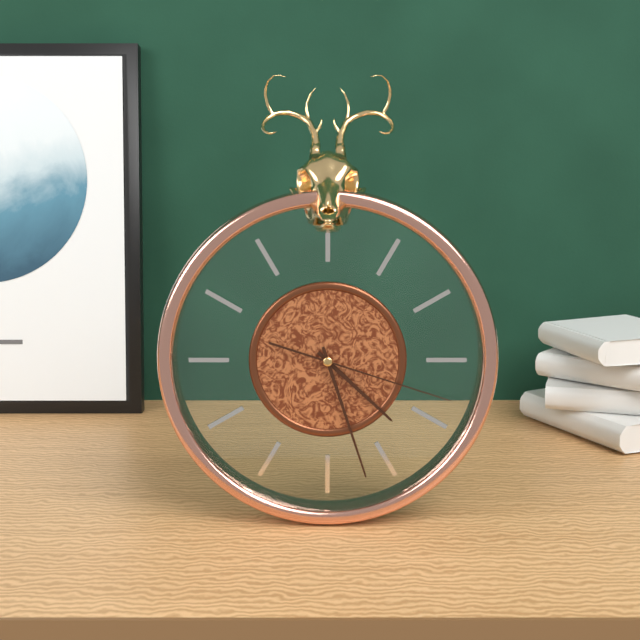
h=4 m=27 s=18
